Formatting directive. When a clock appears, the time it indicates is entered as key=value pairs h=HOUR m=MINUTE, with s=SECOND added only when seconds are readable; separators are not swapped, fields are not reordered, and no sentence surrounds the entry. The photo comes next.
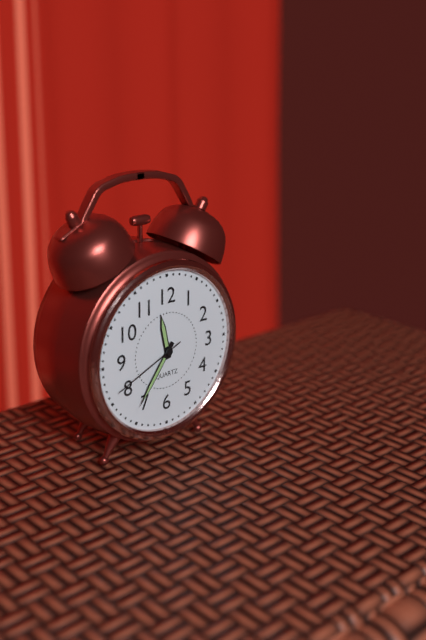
h=11 m=36 s=41
